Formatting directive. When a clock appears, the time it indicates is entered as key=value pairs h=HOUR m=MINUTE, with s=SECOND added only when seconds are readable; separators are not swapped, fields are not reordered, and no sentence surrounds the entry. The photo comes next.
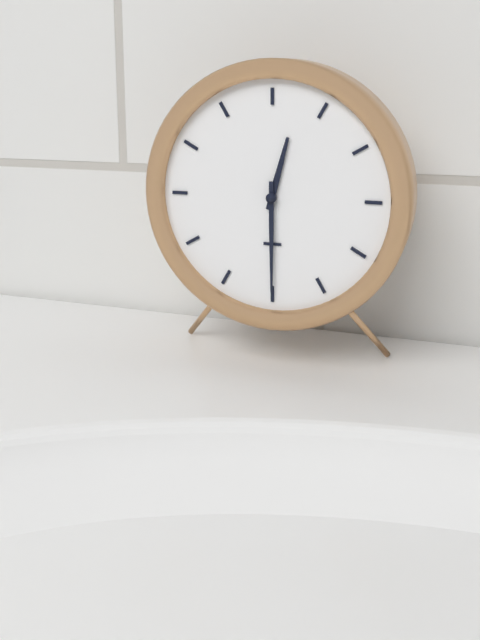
h=12 m=30
